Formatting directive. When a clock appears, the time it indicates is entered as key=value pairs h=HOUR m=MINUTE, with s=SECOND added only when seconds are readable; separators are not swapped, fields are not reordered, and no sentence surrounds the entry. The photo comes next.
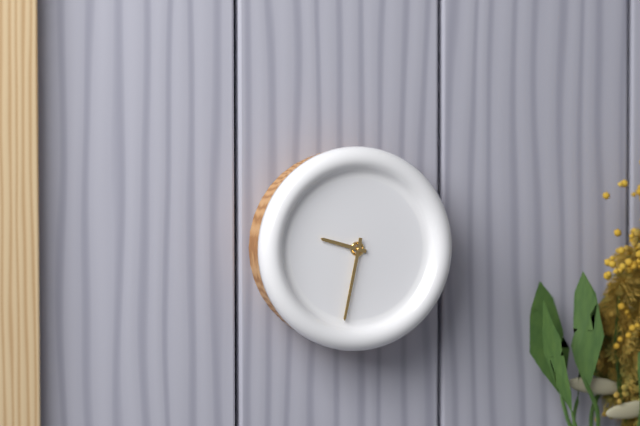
h=9 m=32
